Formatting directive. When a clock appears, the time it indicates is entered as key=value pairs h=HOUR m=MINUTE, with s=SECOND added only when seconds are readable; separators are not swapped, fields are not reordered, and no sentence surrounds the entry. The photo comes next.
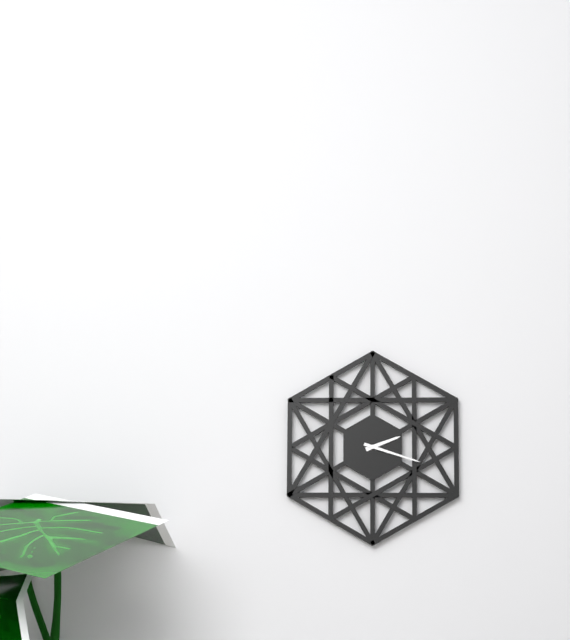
h=2 m=18
